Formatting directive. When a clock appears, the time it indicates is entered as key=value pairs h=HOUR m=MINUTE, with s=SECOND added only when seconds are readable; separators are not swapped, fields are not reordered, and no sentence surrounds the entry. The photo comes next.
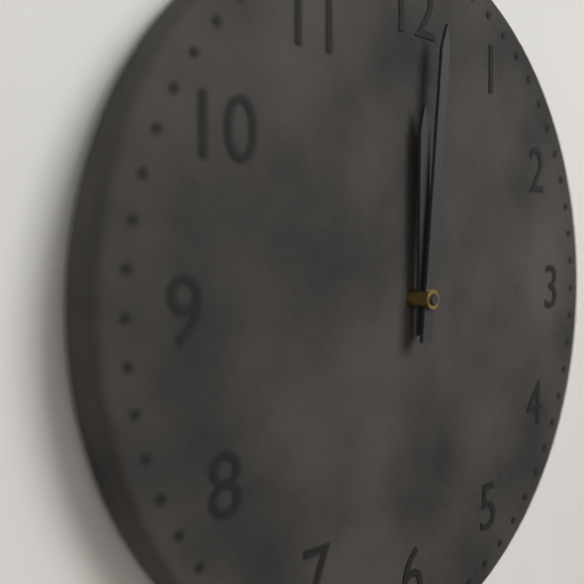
h=12 m=1
